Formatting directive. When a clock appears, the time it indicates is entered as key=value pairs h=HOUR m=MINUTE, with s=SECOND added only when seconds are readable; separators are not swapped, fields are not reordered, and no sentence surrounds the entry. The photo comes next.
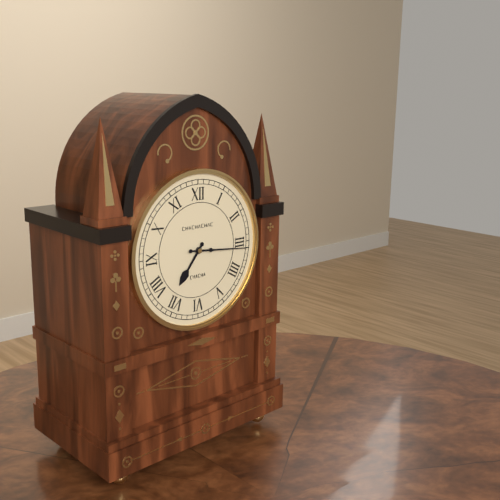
h=7 m=16
